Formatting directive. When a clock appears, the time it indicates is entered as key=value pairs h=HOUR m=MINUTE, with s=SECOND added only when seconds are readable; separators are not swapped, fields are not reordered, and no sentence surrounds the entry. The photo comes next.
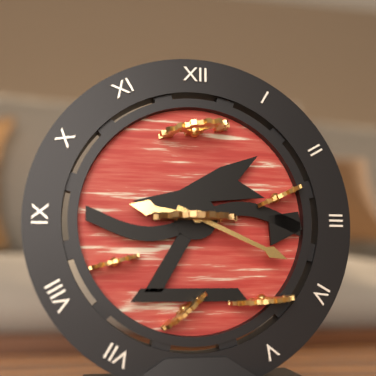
h=9 m=19
